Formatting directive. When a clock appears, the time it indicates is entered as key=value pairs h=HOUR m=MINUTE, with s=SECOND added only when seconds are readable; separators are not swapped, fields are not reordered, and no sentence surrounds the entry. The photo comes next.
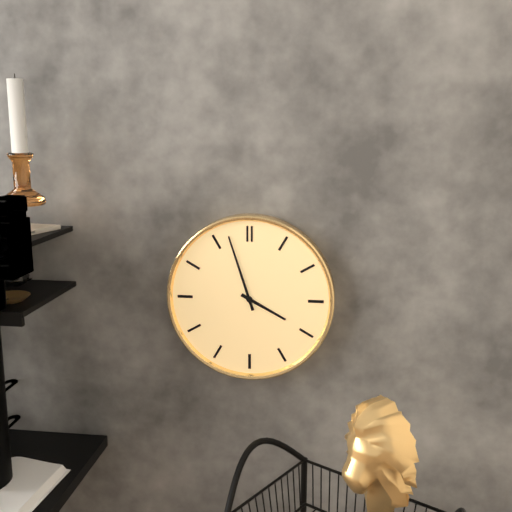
h=3 m=57
